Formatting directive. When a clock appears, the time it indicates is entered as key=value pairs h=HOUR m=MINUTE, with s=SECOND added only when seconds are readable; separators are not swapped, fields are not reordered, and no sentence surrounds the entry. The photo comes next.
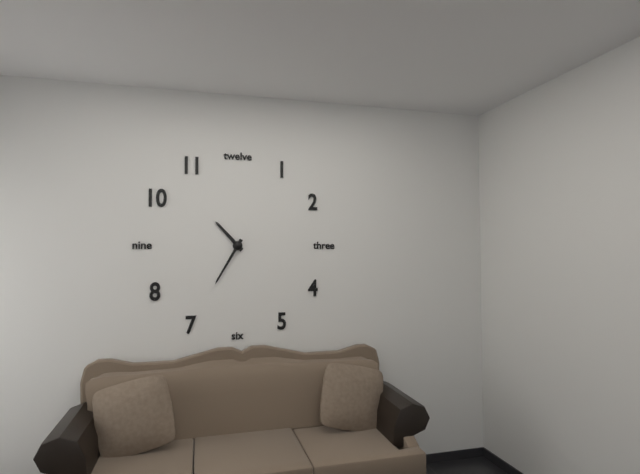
h=10 m=35
